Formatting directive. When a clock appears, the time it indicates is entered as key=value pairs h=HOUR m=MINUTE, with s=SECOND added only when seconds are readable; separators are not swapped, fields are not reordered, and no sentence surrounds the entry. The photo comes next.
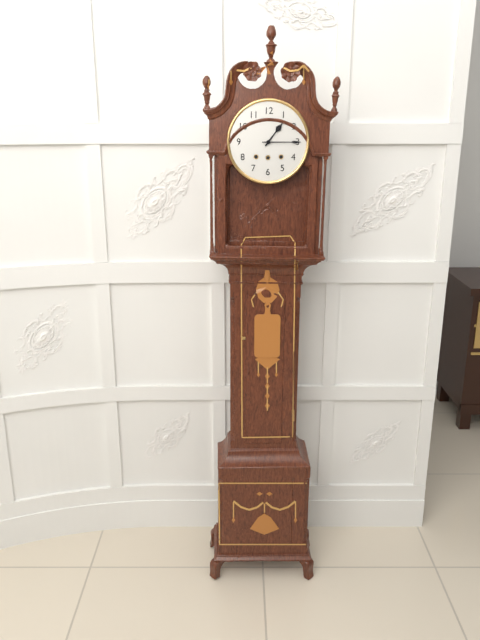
h=1 m=15
